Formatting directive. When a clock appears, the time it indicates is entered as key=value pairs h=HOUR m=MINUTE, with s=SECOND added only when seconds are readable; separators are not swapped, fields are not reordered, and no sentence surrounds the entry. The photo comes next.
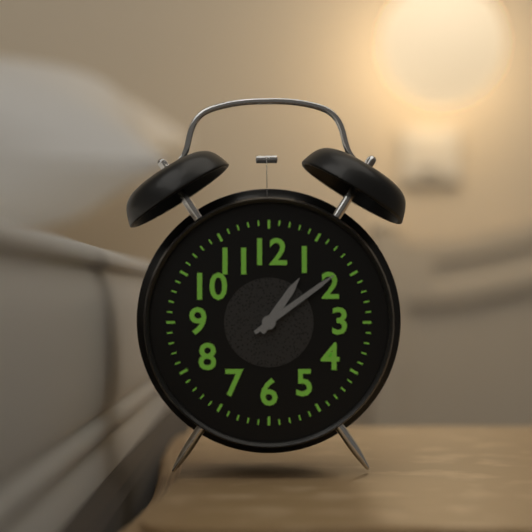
h=1 m=9
